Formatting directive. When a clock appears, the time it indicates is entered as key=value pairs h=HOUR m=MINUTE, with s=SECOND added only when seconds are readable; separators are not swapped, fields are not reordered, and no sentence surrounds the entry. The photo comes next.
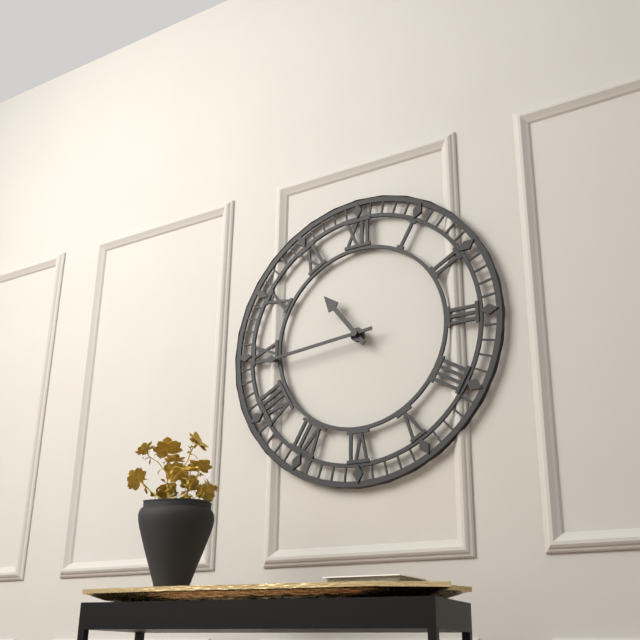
h=10 m=44
